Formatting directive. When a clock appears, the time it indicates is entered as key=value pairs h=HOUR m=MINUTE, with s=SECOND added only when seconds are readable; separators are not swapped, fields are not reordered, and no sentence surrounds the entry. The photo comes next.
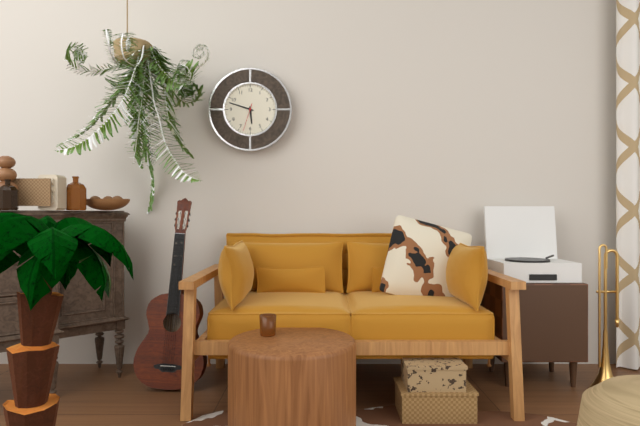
h=5 m=48
